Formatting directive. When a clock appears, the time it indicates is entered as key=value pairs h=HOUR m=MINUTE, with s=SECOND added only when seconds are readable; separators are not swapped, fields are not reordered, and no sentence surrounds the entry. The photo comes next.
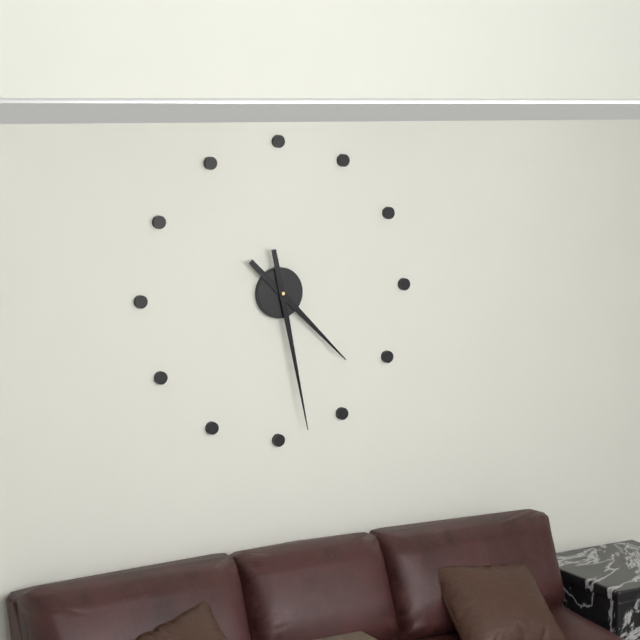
h=4 m=28
